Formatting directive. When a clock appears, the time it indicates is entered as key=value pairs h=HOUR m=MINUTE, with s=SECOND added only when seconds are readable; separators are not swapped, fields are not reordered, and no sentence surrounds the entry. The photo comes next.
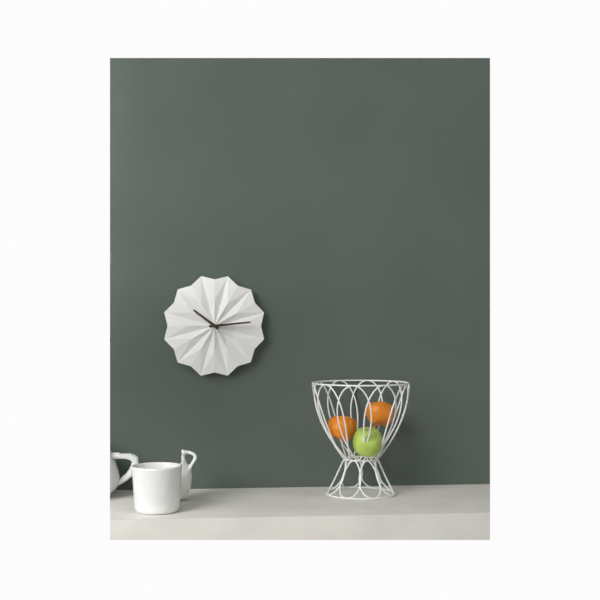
h=10 m=14
